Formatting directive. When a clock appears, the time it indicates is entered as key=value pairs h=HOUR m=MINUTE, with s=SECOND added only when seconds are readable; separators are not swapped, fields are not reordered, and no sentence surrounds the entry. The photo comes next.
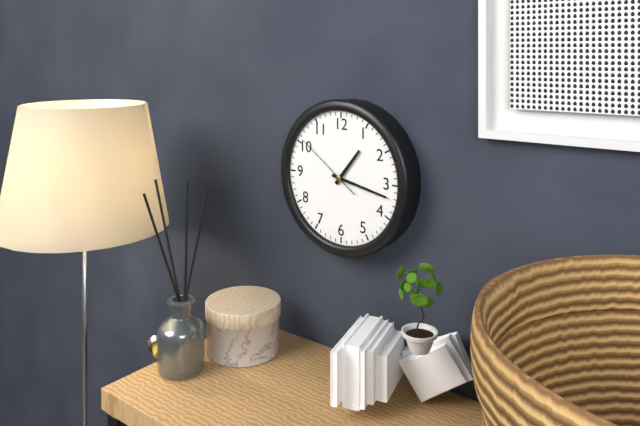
h=1 m=17 s=51
